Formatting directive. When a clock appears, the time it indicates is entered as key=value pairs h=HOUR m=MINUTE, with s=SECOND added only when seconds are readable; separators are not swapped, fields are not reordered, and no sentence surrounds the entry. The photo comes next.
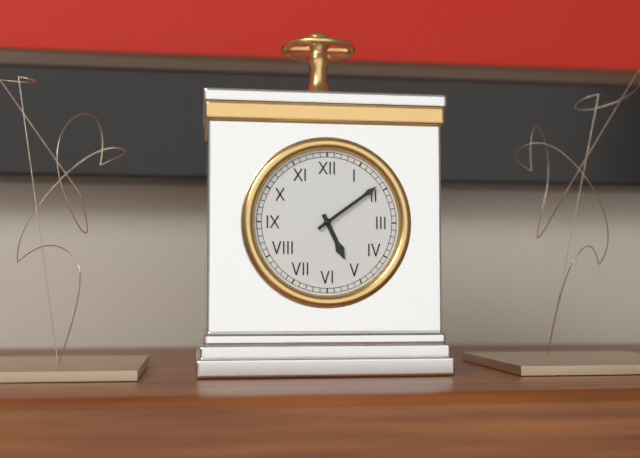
h=5 m=9
